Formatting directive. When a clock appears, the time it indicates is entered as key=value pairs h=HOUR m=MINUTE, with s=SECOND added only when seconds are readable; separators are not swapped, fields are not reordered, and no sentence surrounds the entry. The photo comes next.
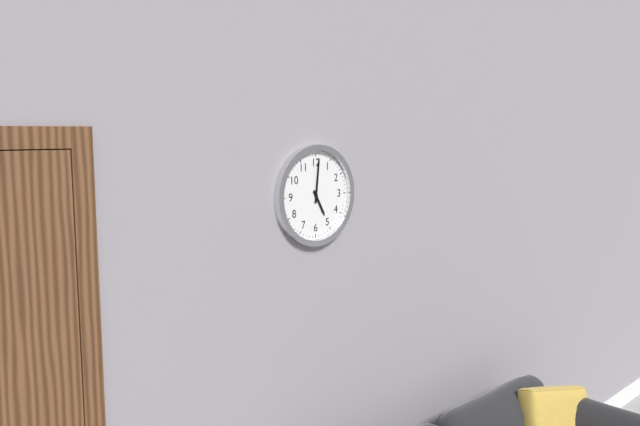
h=5 m=1
